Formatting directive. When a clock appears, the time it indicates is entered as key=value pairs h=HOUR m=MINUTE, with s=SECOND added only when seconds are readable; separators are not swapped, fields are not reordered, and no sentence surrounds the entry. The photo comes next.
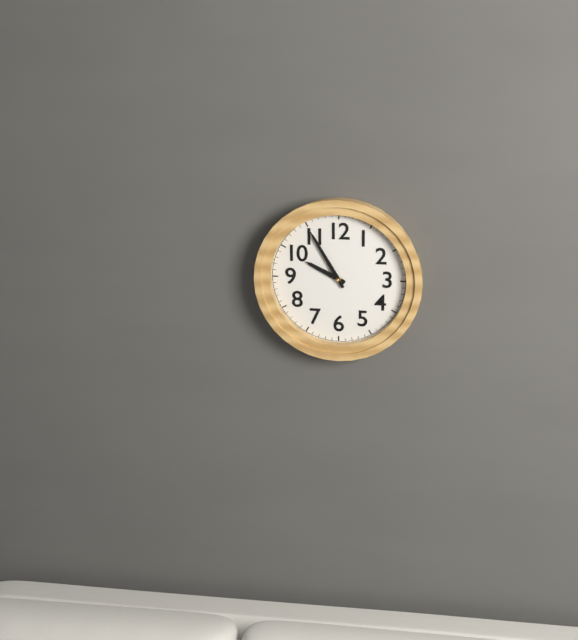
h=9 m=55
